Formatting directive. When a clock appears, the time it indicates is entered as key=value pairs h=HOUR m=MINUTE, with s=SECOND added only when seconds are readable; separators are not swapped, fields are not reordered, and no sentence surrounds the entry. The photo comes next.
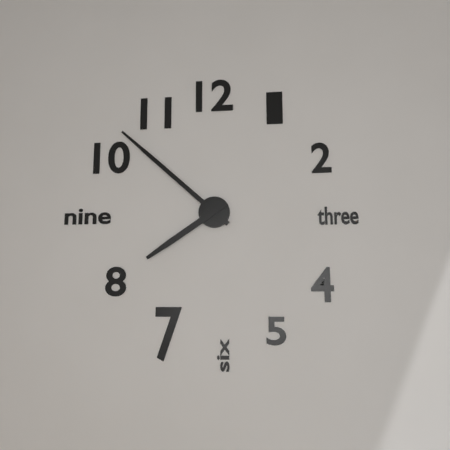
h=7 m=52
